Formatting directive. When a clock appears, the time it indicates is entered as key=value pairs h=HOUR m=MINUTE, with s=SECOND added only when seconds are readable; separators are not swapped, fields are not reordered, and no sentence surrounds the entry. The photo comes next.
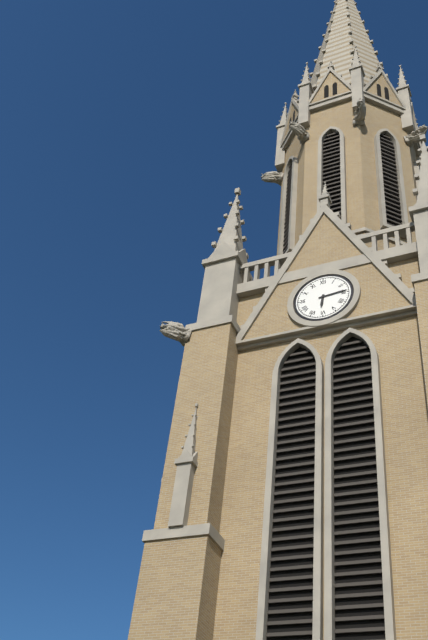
h=6 m=14
